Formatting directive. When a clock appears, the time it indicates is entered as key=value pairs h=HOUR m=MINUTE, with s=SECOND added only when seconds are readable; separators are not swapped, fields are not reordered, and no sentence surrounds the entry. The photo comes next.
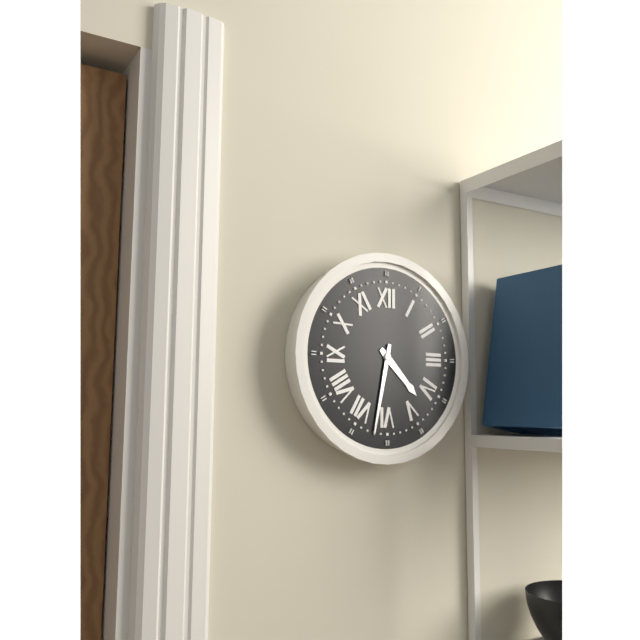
h=4 m=32
